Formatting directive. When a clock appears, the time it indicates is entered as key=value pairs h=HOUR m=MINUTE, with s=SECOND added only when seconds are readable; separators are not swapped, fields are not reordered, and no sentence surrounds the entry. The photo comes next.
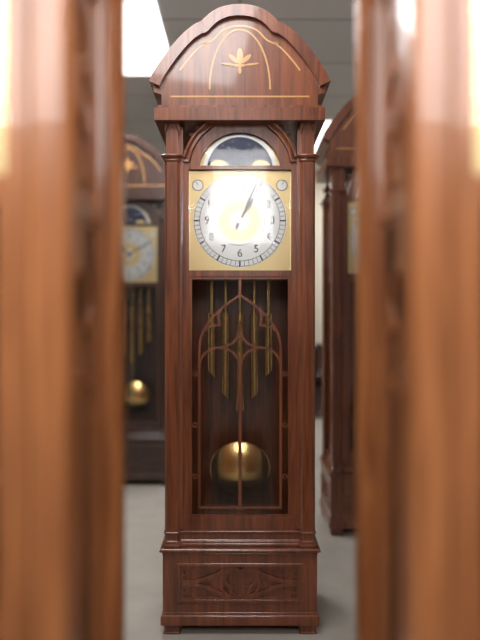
h=1 m=4
